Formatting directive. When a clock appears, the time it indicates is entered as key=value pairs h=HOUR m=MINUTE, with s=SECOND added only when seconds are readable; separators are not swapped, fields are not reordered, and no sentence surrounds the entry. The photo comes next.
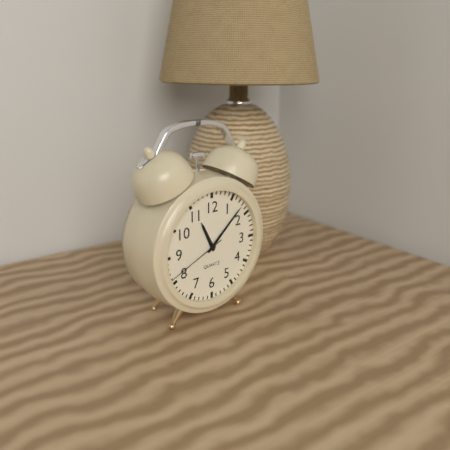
h=11 m=8 s=41
